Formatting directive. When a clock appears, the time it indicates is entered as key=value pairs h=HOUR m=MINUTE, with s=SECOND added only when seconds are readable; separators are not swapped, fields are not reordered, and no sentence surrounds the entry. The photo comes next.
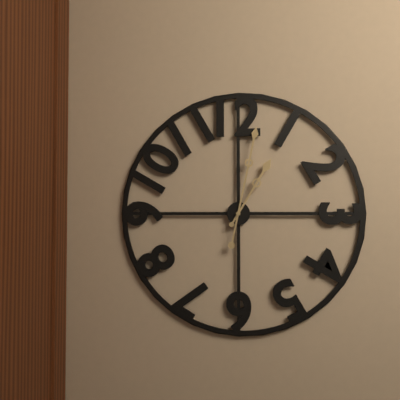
h=1 m=2
